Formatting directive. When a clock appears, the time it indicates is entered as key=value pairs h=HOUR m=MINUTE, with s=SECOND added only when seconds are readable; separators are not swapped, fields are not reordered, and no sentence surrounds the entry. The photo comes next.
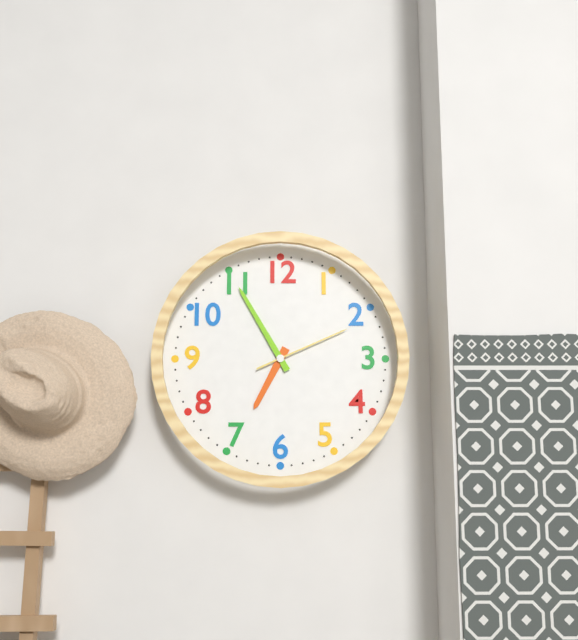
h=6 m=55 s=11
